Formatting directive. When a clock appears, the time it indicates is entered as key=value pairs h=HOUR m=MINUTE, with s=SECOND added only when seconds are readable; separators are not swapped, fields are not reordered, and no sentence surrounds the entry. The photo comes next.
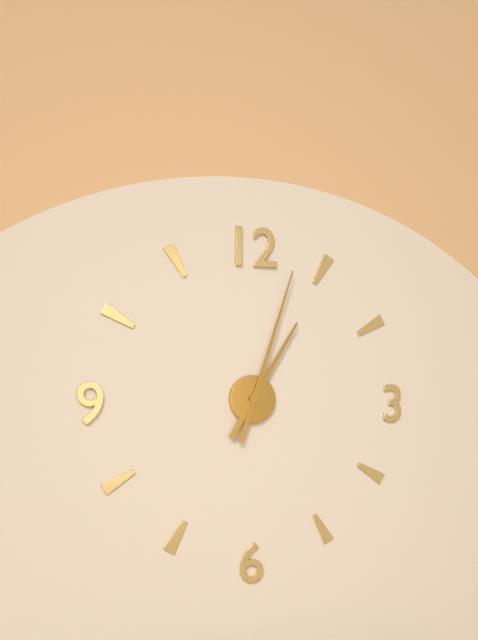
h=1 m=3
